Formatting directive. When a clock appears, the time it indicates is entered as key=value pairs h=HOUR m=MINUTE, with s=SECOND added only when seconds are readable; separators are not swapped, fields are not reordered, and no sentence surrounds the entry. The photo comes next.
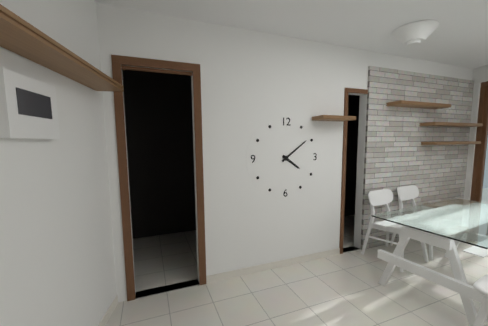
h=4 m=9
